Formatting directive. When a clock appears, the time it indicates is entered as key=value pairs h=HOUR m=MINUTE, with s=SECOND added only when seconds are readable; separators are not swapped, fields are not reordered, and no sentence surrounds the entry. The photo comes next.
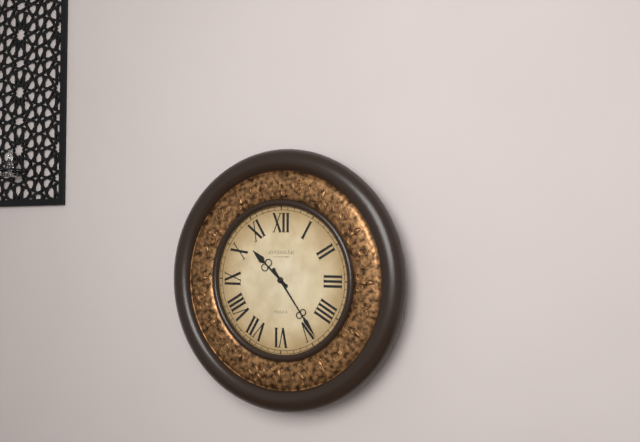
h=10 m=24
